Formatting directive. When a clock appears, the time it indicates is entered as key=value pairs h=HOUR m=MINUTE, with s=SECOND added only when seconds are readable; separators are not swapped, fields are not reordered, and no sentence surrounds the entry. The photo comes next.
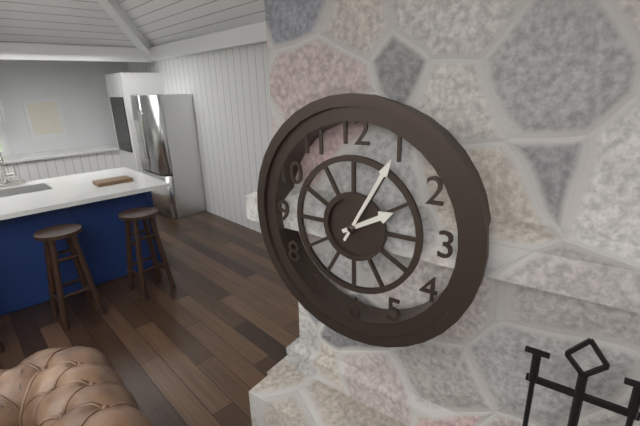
h=2 m=5
